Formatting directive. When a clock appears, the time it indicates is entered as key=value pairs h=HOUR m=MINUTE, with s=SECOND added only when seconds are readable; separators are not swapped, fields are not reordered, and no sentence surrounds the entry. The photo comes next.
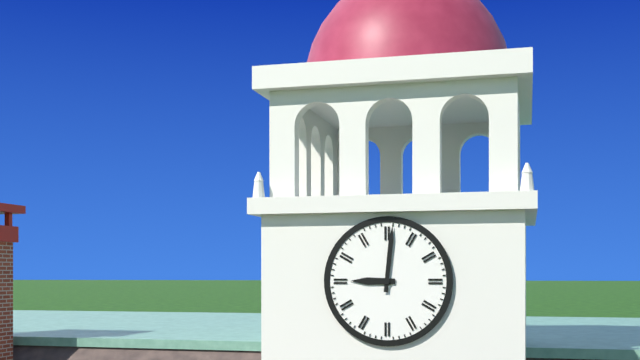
h=9 m=1
